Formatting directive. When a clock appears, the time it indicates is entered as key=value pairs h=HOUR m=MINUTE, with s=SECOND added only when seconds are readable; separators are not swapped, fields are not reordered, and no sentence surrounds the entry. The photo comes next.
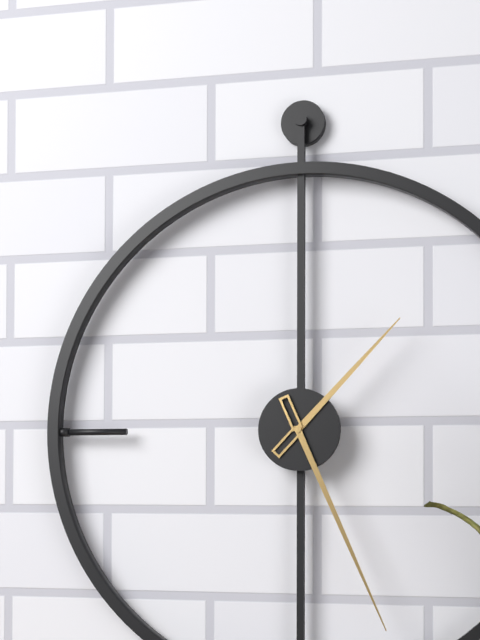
h=1 m=26
